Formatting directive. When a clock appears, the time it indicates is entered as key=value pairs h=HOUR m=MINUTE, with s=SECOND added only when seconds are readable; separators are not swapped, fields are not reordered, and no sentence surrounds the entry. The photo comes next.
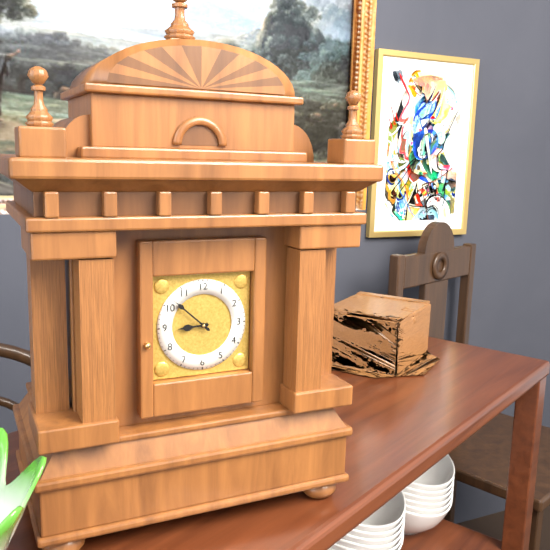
h=8 m=52
